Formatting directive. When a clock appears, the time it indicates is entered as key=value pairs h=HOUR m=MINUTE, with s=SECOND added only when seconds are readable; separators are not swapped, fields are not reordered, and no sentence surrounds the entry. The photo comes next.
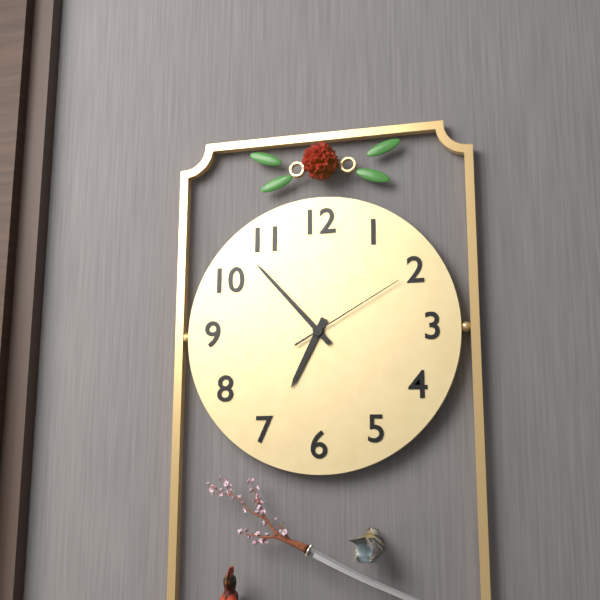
h=6 m=53 s=10
